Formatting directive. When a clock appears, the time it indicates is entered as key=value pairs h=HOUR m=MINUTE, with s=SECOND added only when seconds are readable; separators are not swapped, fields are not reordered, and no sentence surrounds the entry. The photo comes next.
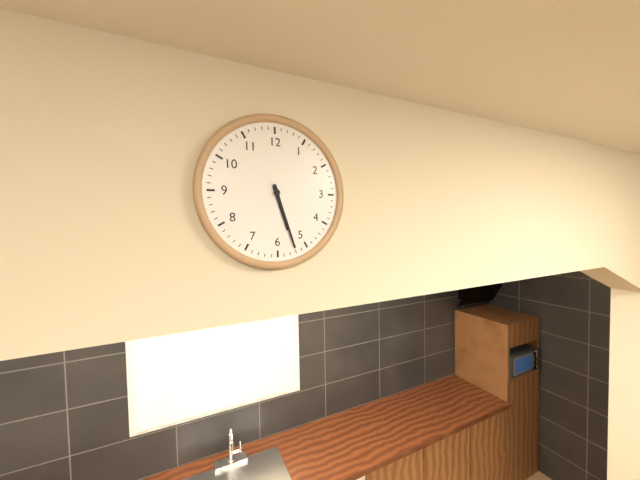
h=5 m=27
